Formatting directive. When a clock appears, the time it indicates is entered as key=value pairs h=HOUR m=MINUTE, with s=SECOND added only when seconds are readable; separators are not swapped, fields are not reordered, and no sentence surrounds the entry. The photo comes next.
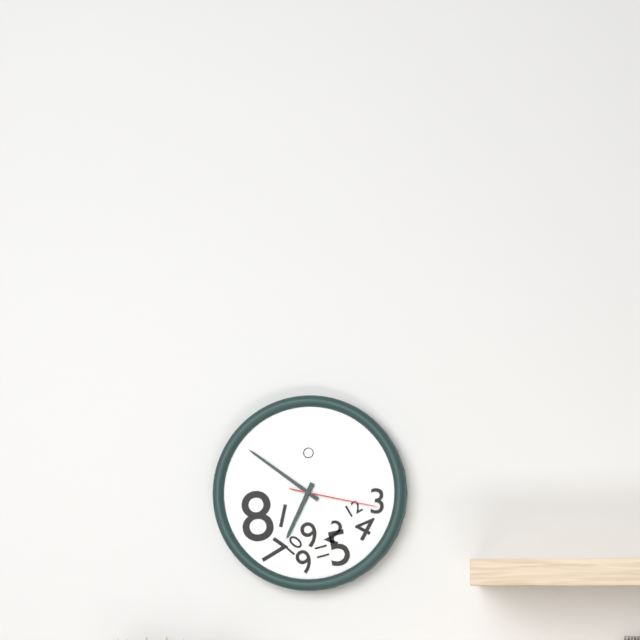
h=6 m=51 s=17
